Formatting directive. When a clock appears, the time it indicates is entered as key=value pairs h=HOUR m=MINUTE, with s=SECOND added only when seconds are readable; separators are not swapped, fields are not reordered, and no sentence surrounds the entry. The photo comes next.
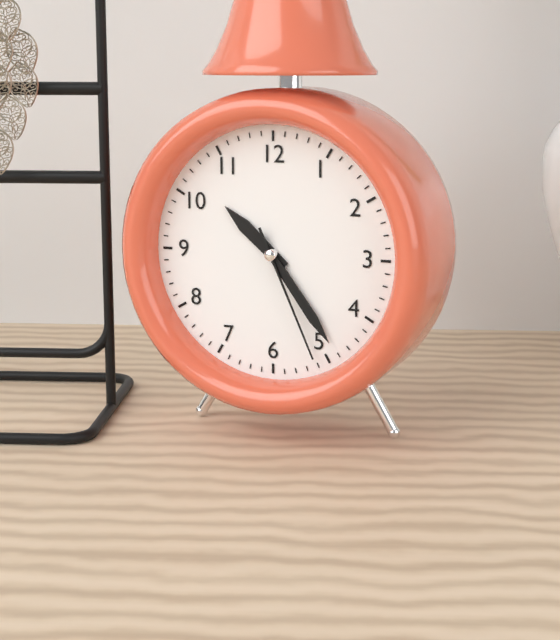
h=10 m=24 s=26
